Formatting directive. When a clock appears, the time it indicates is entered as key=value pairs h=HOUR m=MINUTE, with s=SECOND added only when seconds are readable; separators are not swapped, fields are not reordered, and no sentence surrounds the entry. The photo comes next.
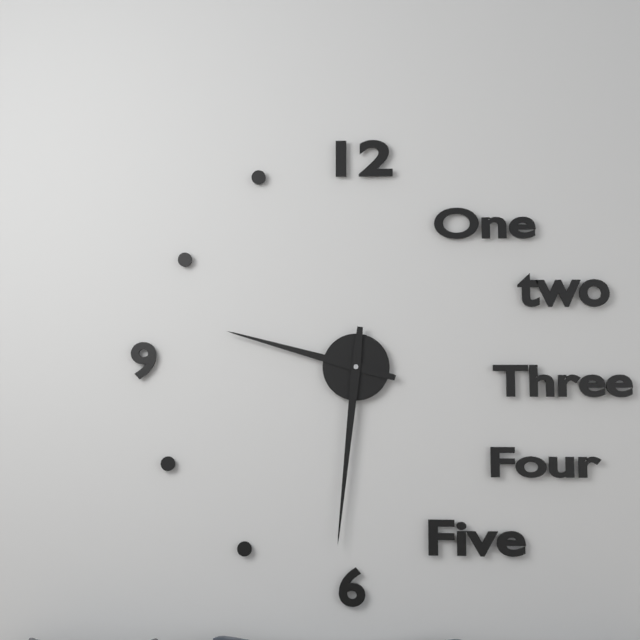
h=9 m=31
